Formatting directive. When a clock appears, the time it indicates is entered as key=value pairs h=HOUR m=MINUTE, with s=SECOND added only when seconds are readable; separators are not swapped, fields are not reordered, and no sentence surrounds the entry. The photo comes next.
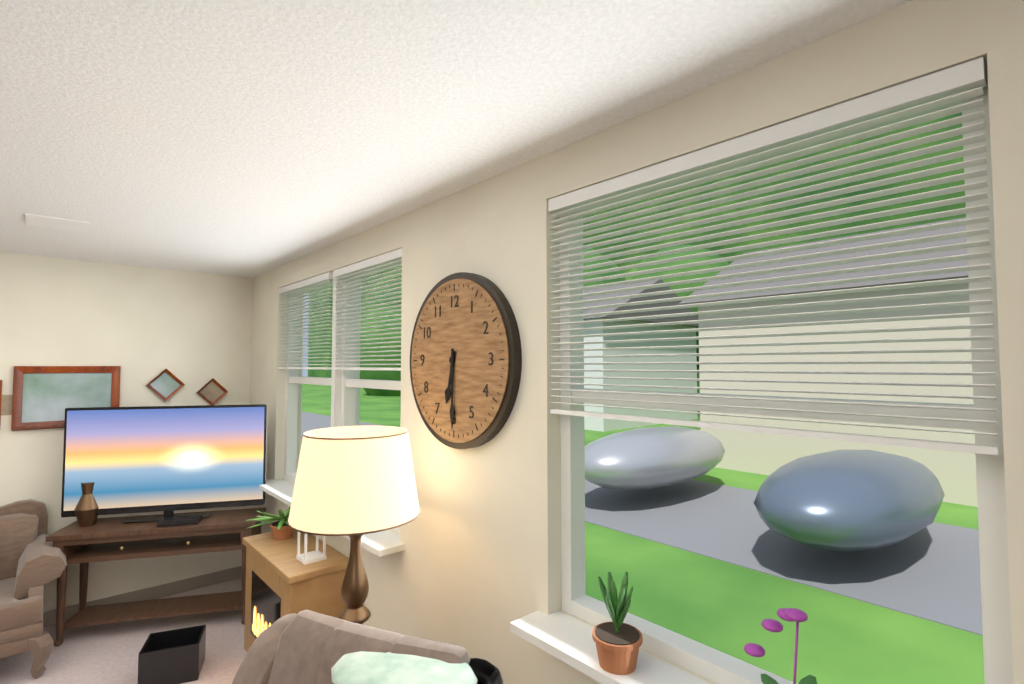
h=6 m=30
